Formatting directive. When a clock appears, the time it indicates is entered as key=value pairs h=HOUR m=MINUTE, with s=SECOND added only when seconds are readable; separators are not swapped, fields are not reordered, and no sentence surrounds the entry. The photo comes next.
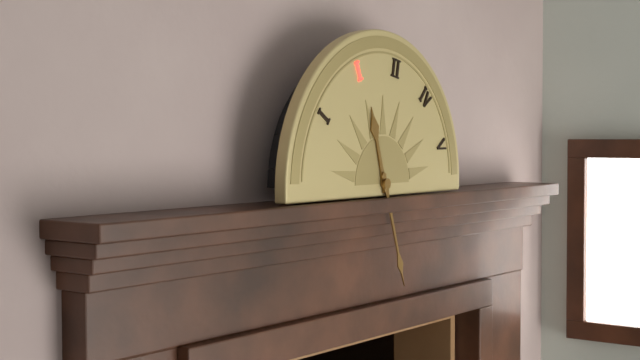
h=11 m=27
